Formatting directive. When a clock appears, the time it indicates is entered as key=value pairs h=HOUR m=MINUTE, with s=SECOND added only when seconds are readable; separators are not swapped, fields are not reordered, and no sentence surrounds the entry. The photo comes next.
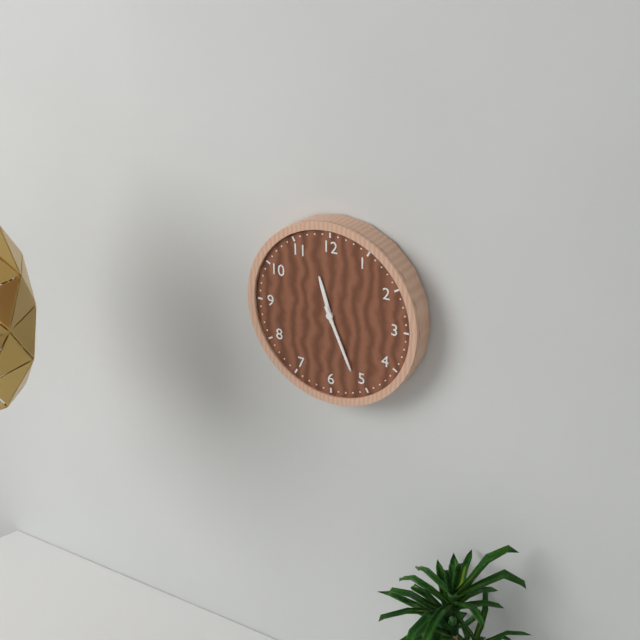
h=11 m=26
